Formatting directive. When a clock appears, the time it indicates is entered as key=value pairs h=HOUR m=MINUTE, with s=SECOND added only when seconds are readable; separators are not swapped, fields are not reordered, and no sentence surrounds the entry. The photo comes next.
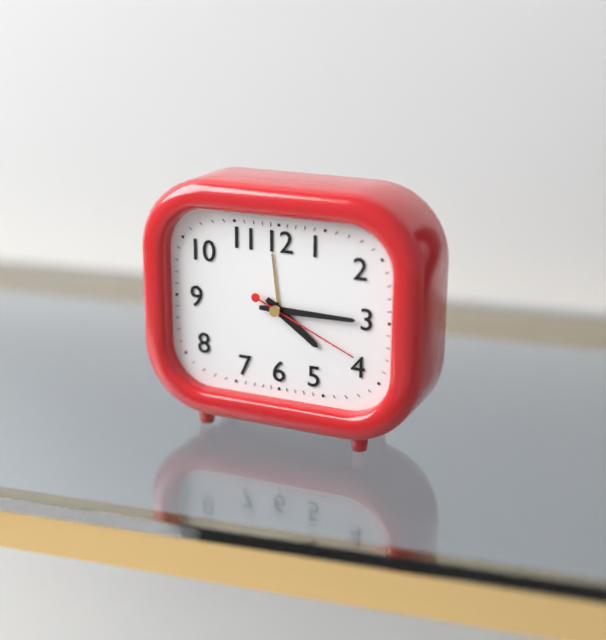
h=4 m=15 s=19
